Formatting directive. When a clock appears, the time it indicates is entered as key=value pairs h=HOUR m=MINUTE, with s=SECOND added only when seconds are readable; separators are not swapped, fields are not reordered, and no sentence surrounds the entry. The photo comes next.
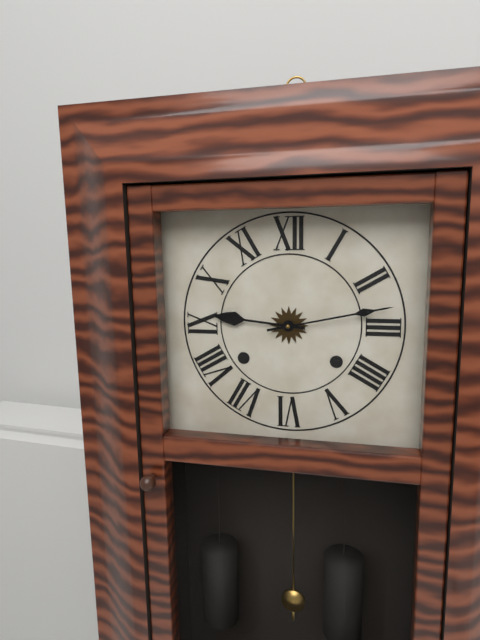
h=9 m=13
